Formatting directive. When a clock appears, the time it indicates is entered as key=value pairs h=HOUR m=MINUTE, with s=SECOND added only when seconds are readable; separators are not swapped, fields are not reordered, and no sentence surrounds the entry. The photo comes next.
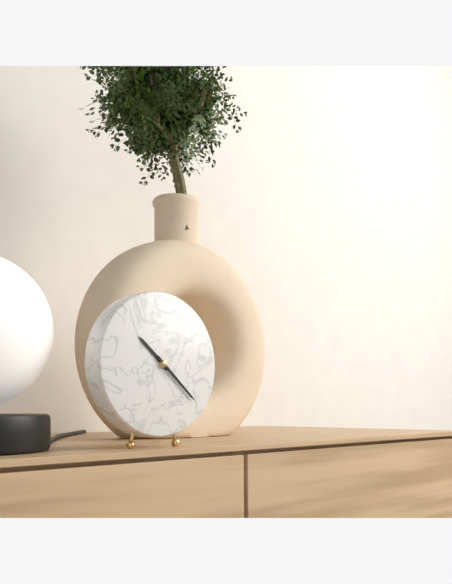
h=10 m=22
